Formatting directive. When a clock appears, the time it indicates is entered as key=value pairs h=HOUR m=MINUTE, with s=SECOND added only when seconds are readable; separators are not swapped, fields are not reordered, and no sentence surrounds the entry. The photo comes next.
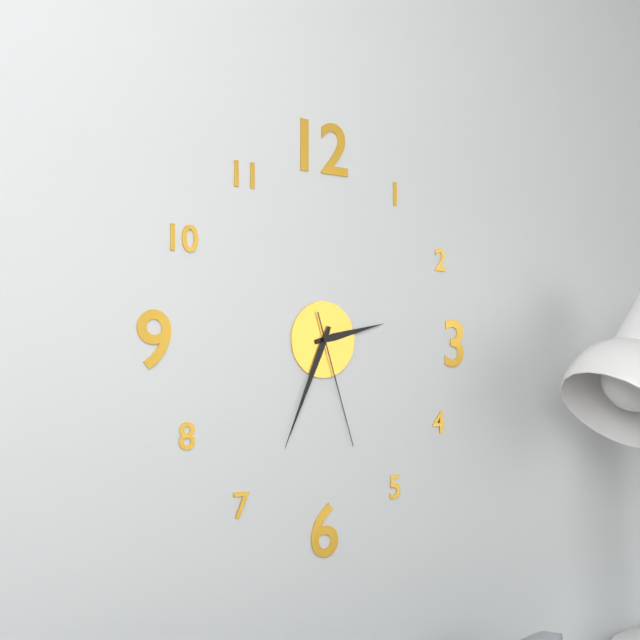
h=2 m=34 s=27
